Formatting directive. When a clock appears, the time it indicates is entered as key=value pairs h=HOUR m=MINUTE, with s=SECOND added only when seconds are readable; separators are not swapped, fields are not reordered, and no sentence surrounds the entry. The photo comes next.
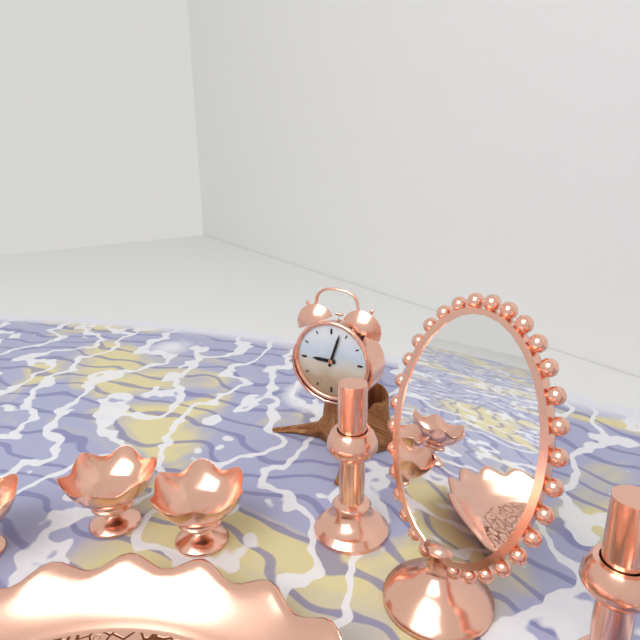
h=9 m=3
